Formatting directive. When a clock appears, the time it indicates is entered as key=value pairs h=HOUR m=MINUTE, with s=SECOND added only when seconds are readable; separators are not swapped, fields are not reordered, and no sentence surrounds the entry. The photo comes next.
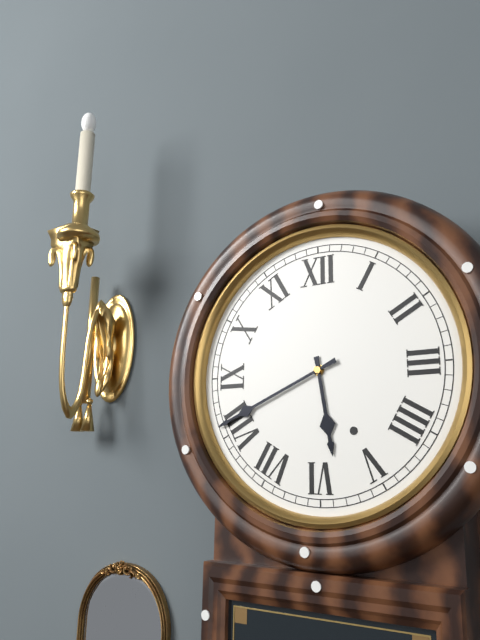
h=5 m=41
